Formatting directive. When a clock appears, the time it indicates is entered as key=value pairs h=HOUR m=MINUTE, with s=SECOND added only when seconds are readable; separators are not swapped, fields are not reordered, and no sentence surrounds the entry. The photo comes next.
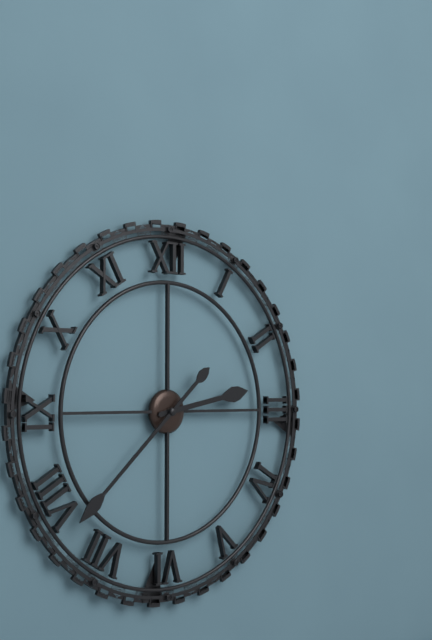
h=2 m=38
